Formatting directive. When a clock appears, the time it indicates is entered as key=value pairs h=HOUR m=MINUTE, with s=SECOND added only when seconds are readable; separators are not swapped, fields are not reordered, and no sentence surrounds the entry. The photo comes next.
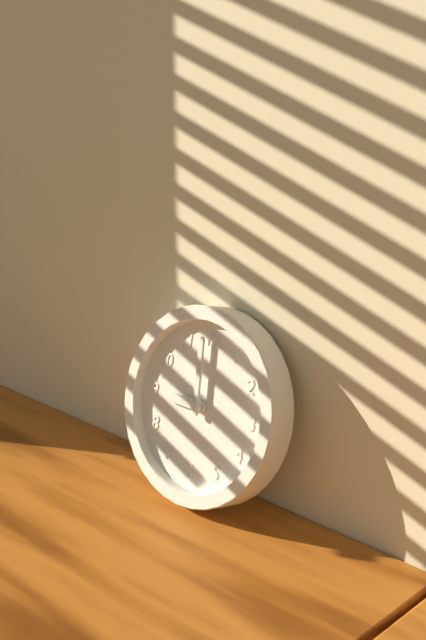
h=8 m=59
